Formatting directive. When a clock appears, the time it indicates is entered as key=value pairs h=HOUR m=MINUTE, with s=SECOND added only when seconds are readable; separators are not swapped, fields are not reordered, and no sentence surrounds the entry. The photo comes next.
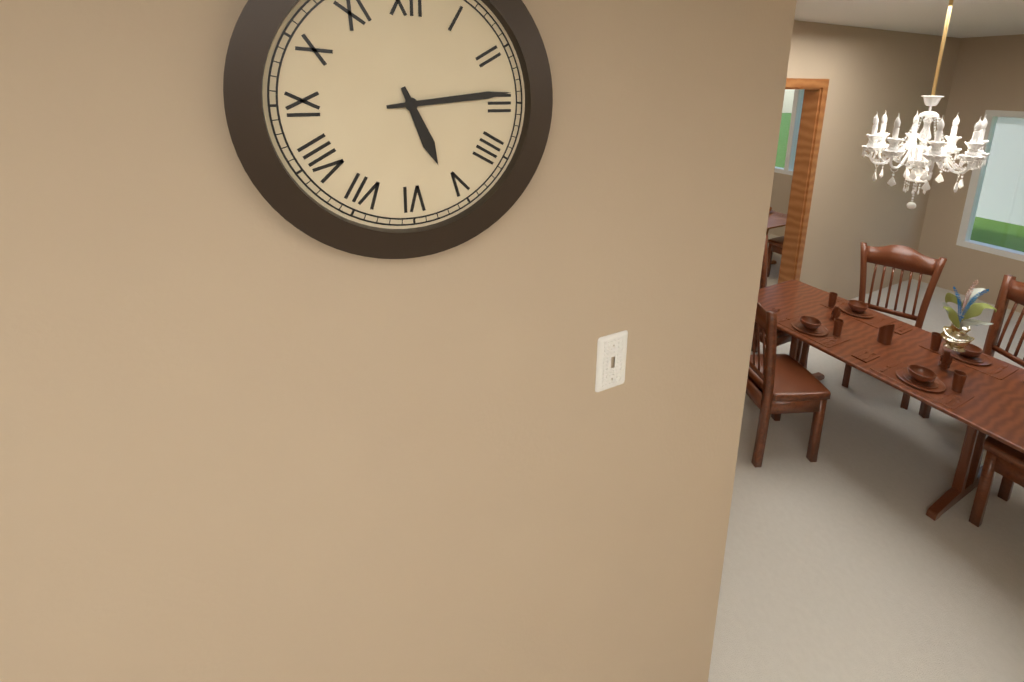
h=5 m=14
